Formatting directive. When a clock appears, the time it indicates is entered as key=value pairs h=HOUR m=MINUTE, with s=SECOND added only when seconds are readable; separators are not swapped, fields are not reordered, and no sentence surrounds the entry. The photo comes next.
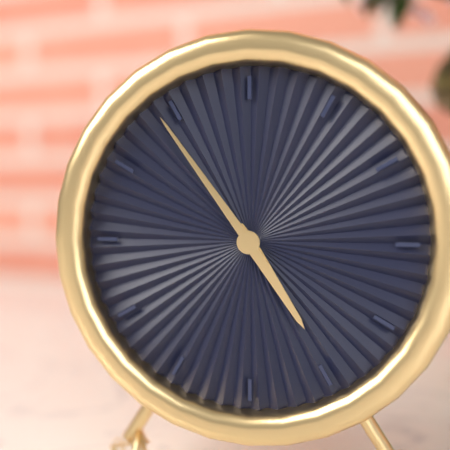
h=4 m=54
